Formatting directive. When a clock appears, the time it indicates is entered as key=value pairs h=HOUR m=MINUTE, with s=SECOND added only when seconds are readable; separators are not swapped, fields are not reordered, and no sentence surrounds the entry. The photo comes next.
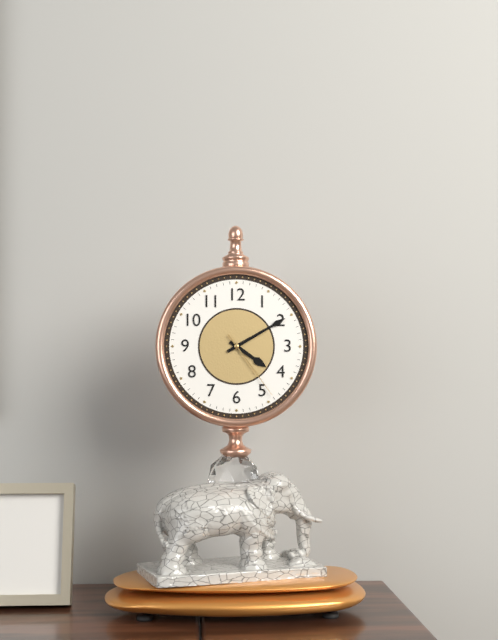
h=4 m=10 s=24
